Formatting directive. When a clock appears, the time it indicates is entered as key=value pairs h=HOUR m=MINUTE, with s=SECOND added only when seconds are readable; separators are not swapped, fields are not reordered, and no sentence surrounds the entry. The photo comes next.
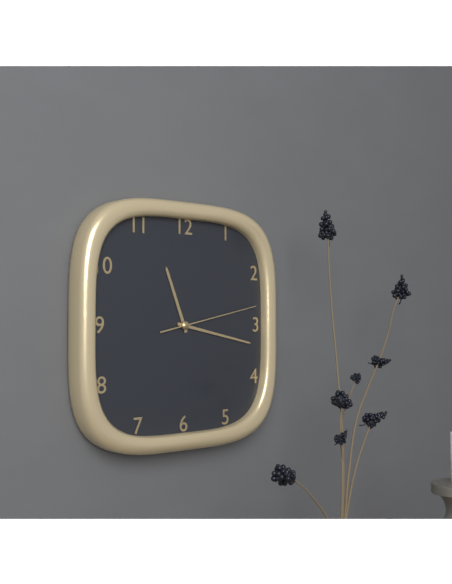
h=11 m=17 s=13
